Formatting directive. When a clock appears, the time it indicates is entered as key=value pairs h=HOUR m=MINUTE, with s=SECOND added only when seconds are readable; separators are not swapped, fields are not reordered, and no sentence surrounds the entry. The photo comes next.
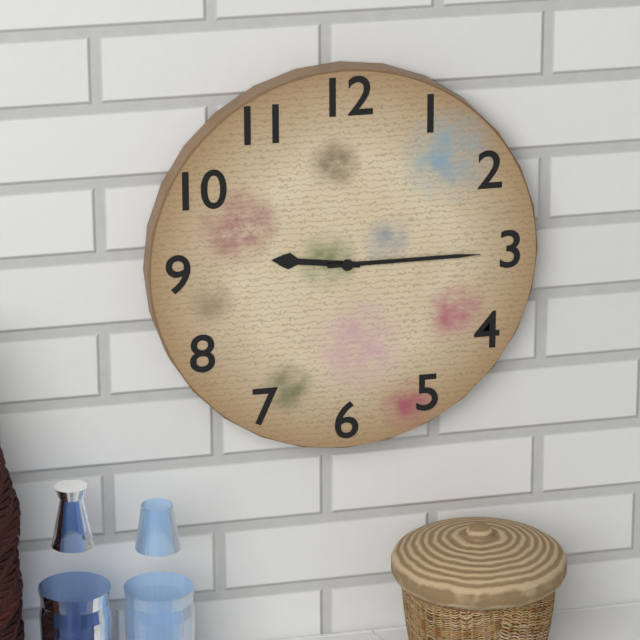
h=9 m=15
